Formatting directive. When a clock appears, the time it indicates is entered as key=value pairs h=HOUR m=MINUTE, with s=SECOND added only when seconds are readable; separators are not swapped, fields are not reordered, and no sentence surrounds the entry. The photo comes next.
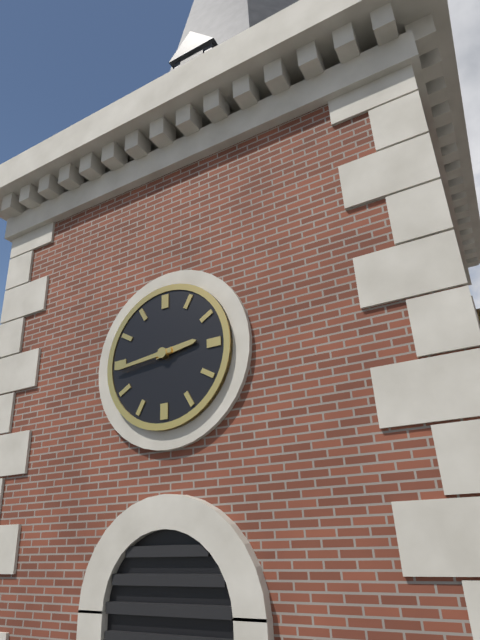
h=2 m=44
